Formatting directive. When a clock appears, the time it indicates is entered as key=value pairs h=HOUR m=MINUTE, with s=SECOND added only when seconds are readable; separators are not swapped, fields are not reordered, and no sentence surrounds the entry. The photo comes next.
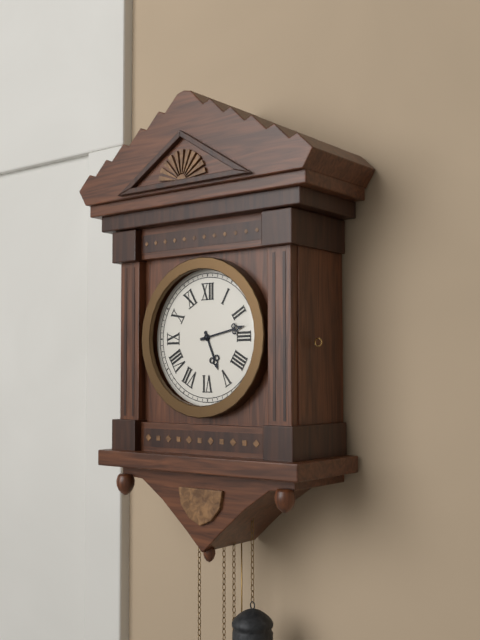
h=5 m=13
